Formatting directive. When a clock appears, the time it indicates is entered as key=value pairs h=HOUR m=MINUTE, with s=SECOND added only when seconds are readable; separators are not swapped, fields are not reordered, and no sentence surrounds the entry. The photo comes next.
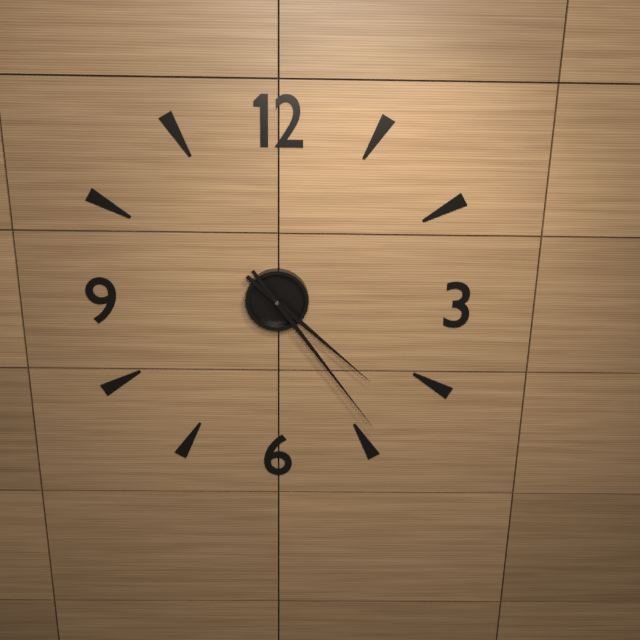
h=4 m=24
